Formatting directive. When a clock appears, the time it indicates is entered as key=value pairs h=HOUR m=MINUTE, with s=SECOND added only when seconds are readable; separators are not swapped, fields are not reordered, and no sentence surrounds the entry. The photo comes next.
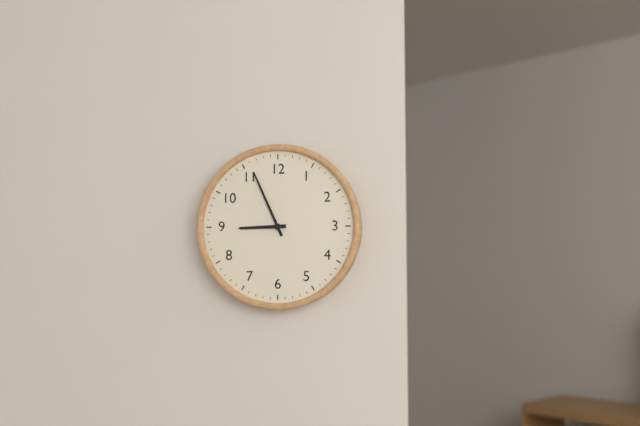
h=8 m=56
